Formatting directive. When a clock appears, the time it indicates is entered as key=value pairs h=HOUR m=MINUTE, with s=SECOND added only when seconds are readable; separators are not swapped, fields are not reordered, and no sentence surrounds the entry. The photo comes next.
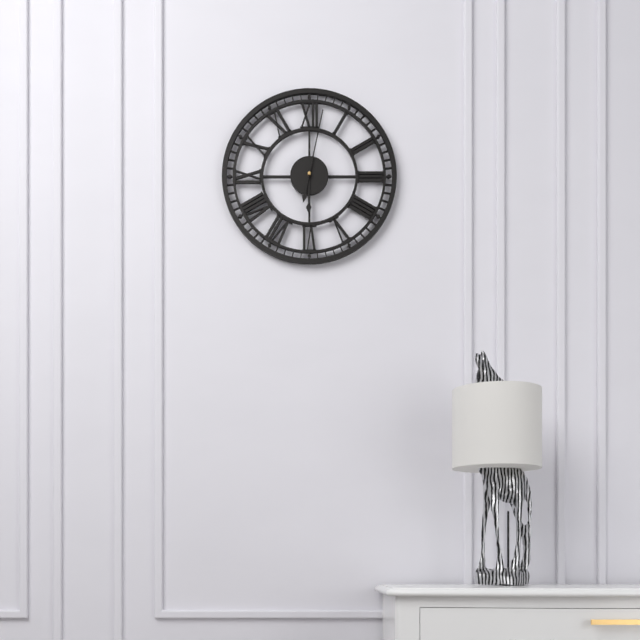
h=6 m=2
